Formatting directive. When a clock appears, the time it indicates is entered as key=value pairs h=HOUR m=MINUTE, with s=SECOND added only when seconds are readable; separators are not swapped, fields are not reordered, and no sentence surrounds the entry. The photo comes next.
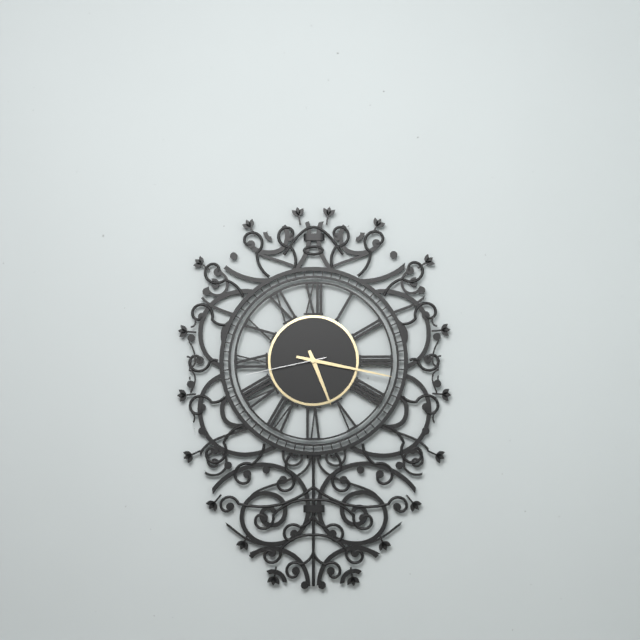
h=5 m=17 s=43
